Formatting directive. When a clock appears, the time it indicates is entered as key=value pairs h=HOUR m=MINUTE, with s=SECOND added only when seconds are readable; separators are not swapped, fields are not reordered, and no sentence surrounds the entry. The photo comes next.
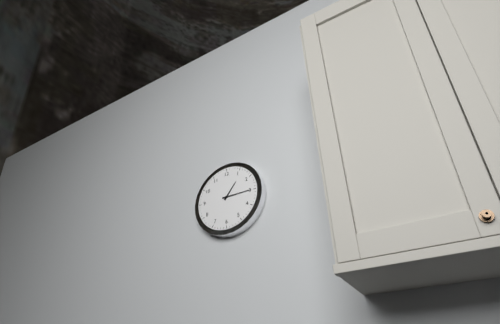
h=1 m=15
